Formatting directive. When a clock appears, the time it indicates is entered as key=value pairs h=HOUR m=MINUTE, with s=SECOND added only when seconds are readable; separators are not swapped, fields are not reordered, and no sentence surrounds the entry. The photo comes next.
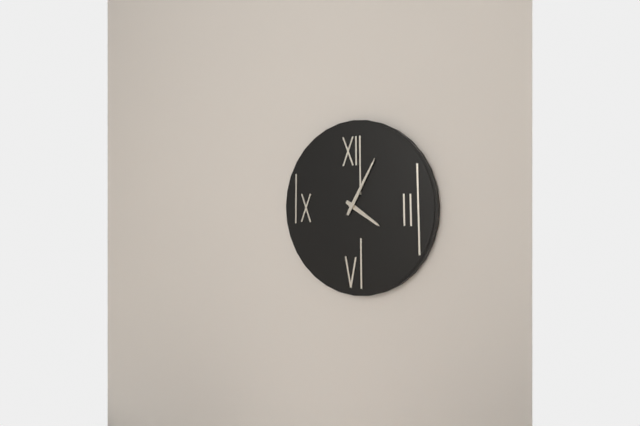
h=4 m=5
